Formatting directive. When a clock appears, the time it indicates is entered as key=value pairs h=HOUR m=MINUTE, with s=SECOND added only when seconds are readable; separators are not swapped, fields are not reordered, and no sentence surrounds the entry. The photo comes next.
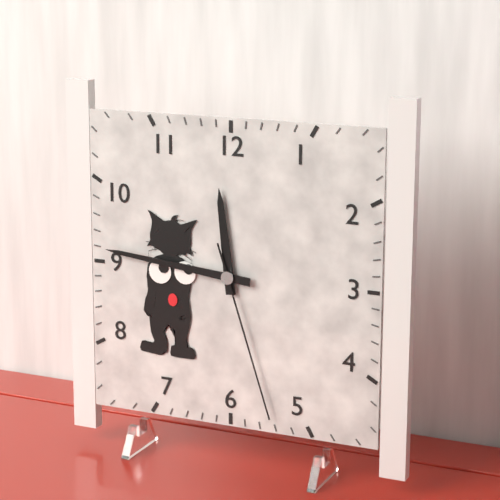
h=11 m=46 s=27
